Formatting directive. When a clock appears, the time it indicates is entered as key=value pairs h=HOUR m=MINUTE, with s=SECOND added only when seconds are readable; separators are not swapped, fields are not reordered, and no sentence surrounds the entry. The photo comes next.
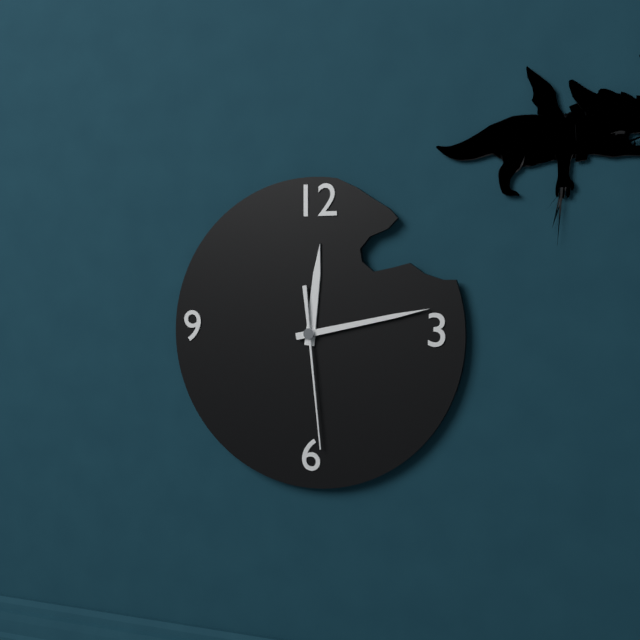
h=12 m=13 s=29
